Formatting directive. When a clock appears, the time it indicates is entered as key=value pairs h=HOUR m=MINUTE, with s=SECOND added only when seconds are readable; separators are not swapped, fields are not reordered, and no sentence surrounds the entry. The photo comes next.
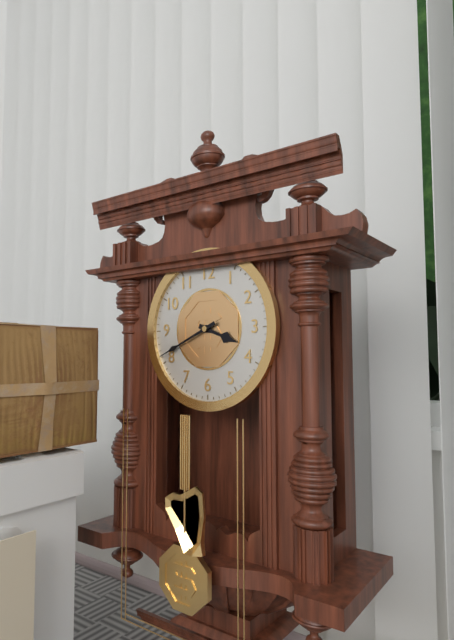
h=3 m=41
